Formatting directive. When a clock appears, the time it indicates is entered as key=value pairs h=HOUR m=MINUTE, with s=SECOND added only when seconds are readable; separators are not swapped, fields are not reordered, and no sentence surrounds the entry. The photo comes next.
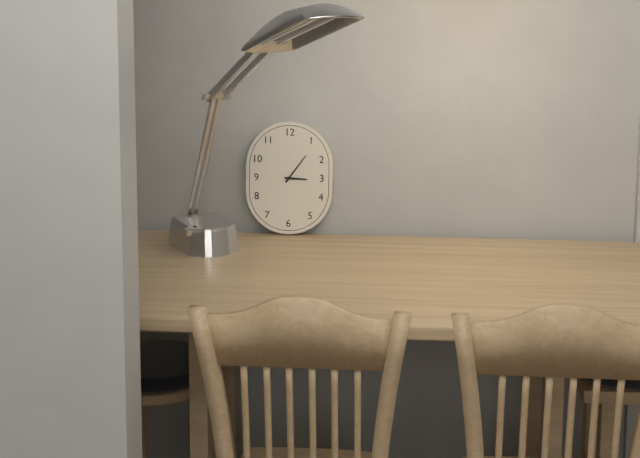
h=3 m=6
